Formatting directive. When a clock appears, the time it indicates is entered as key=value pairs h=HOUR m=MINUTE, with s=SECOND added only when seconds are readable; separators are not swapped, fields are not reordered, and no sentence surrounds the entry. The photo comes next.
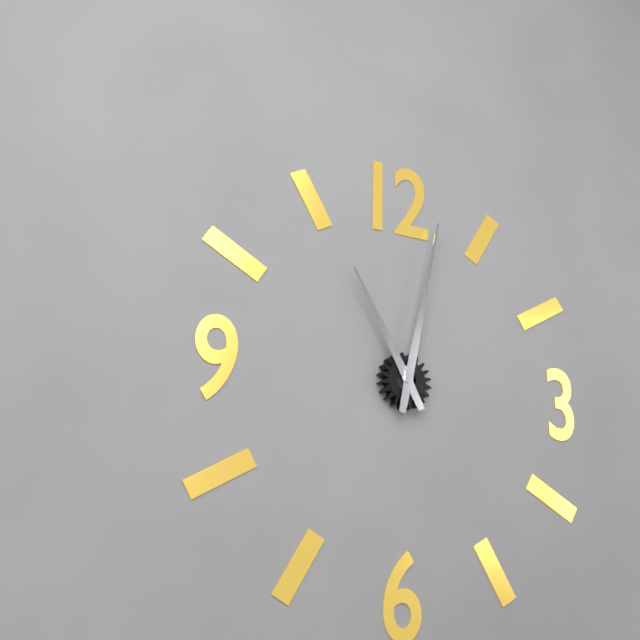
h=11 m=2
